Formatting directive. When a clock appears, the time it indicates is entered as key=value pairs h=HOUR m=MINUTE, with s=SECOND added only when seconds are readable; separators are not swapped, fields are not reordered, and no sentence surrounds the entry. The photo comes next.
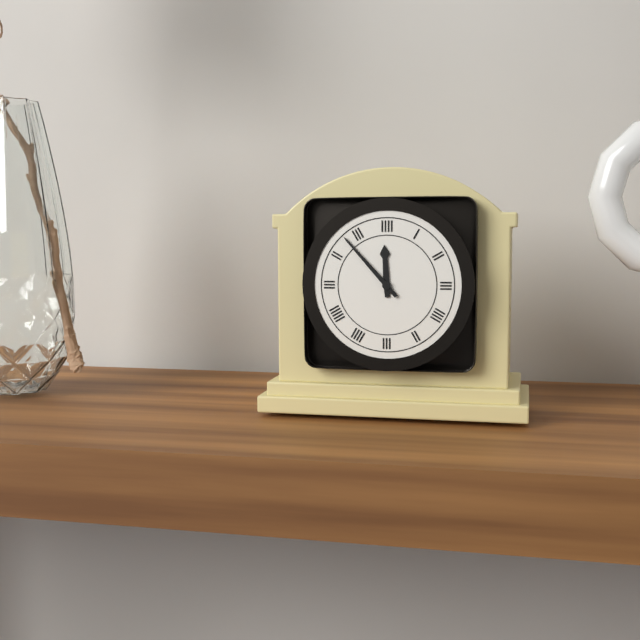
h=11 m=53
